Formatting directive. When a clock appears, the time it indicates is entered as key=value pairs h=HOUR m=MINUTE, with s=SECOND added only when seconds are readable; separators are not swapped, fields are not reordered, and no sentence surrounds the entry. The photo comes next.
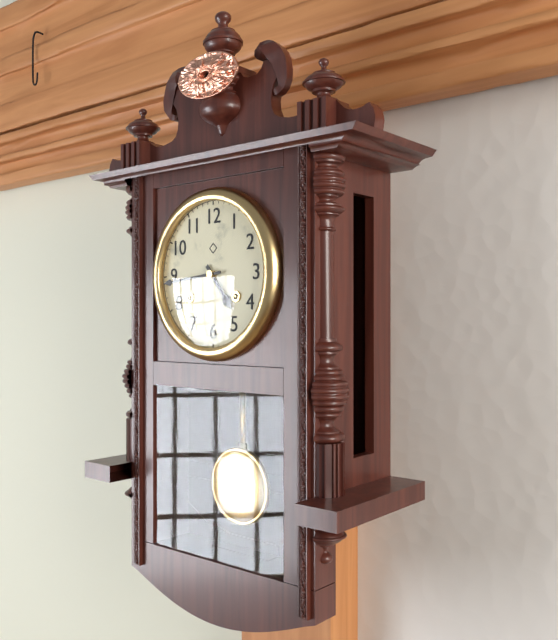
h=4 m=44
